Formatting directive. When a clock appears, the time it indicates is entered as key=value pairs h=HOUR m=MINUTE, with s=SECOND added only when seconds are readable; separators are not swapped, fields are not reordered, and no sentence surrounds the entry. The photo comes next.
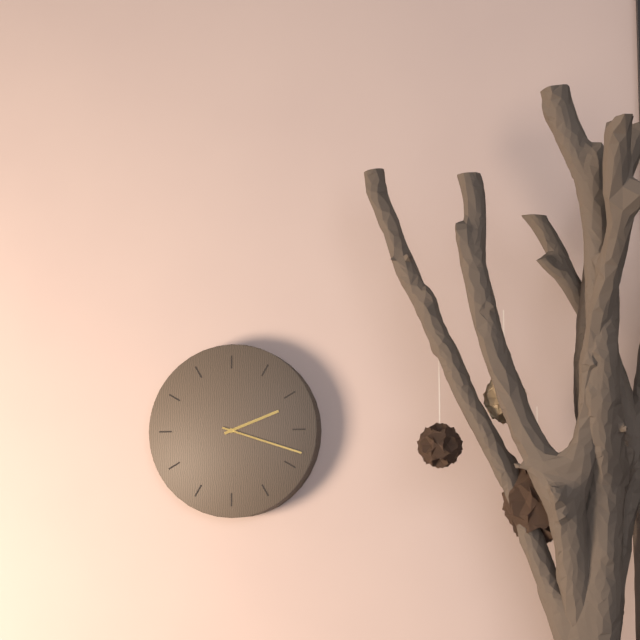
h=2 m=18
